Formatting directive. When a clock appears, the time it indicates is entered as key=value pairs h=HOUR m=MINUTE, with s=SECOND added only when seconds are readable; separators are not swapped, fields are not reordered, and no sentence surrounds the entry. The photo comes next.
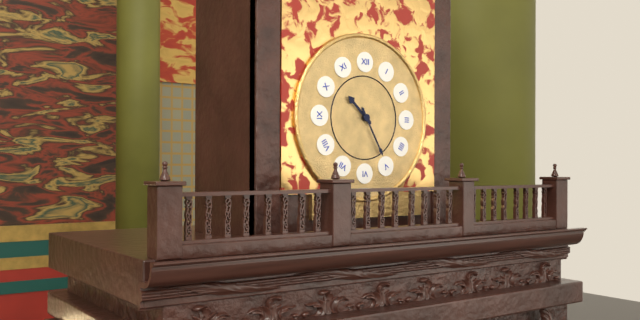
h=10 m=25
